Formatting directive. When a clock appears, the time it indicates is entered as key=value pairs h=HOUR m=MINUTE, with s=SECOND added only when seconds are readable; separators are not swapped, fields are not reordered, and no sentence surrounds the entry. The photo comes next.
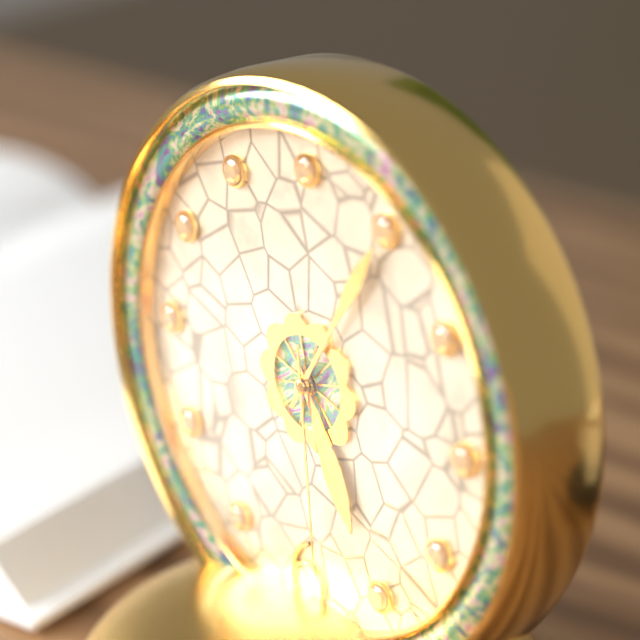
h=5 m=5 s=29
